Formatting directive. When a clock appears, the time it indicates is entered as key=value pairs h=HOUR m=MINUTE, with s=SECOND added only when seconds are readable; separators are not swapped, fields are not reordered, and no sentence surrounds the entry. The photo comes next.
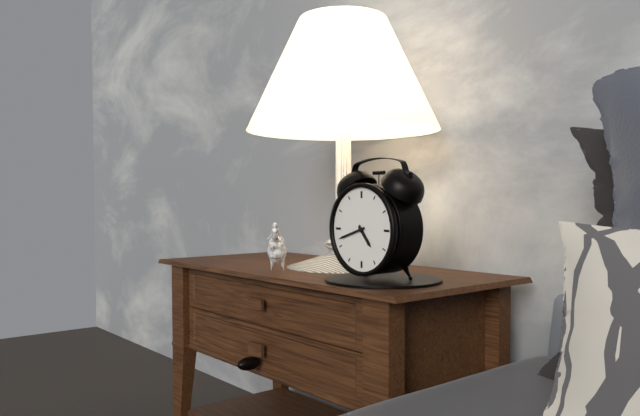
h=4 m=42
